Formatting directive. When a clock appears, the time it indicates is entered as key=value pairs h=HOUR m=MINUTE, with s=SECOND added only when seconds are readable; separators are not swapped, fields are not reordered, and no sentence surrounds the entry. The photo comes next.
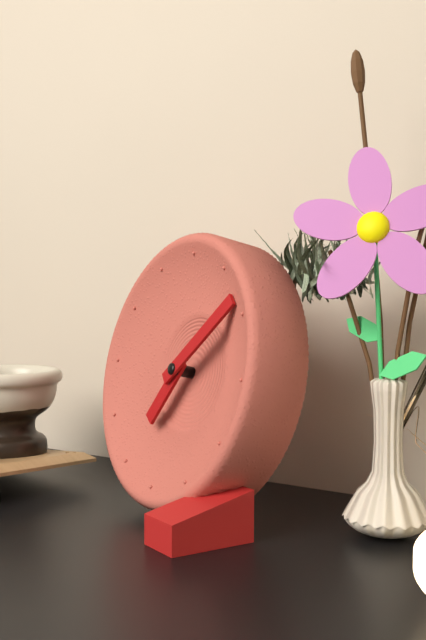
h=7 m=8
